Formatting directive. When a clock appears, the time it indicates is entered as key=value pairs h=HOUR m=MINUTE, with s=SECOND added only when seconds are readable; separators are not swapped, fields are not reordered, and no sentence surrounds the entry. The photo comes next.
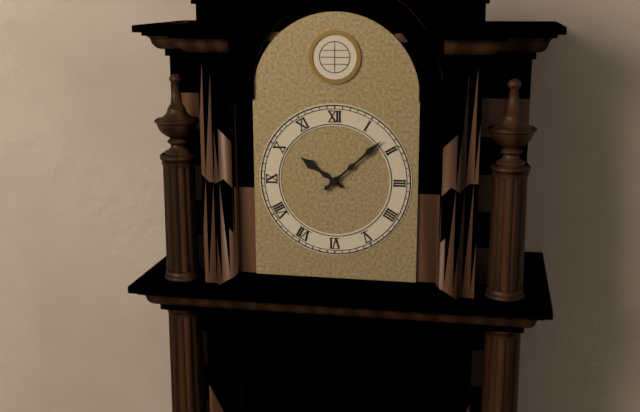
h=10 m=8
